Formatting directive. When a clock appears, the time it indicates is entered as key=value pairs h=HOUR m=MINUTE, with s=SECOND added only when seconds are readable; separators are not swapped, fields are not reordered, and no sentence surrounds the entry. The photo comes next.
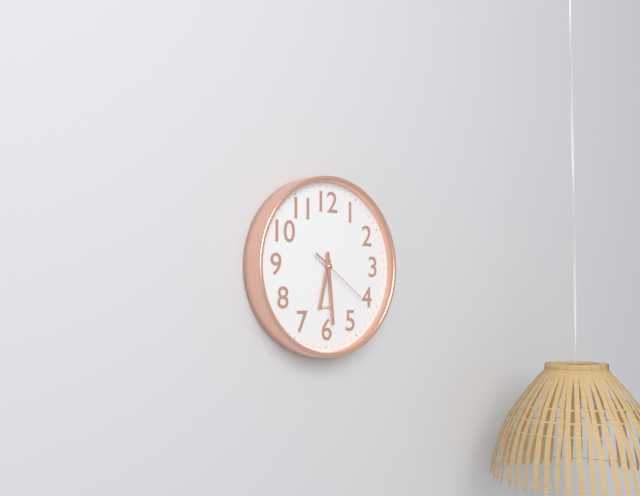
h=6 m=29 s=21
